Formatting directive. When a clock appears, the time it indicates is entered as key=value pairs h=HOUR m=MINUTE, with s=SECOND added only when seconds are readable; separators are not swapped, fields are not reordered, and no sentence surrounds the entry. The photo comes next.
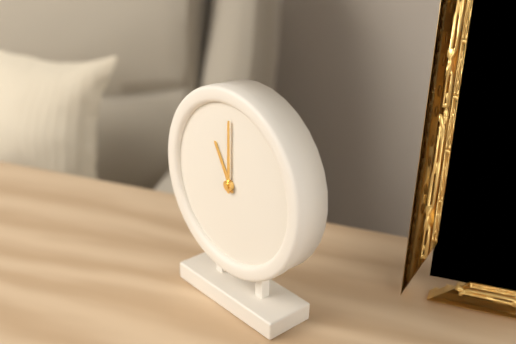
h=11 m=0
